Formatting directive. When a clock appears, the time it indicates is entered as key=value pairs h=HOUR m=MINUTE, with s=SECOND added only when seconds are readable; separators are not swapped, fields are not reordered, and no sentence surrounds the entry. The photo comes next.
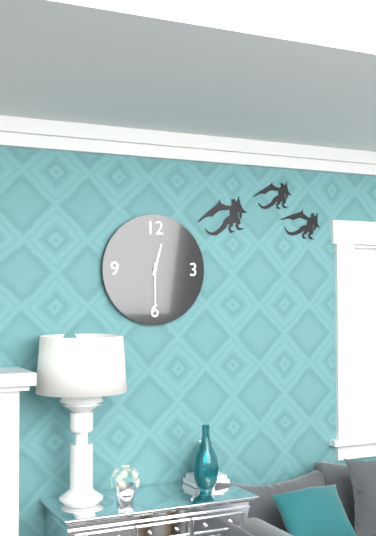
h=12 m=30
